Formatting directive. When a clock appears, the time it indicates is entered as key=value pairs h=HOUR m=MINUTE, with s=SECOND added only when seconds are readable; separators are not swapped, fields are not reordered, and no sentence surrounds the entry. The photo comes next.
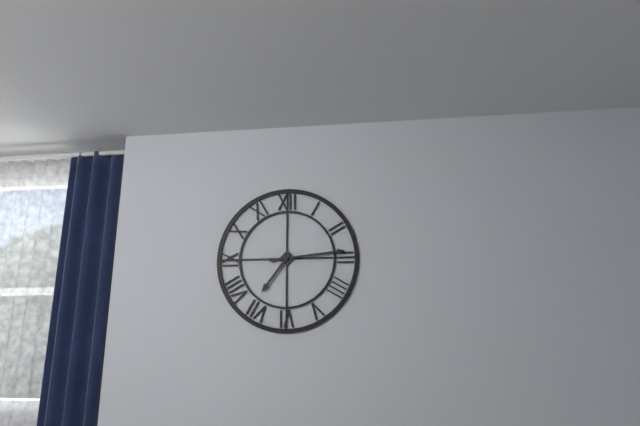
h=7 m=14
